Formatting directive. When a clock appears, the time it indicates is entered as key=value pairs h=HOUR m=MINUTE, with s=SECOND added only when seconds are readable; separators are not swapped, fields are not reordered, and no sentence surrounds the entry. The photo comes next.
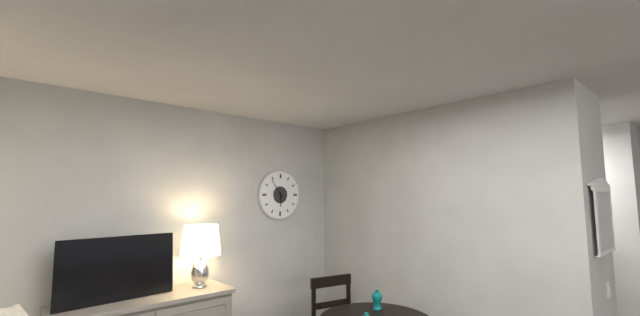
h=5 m=54
